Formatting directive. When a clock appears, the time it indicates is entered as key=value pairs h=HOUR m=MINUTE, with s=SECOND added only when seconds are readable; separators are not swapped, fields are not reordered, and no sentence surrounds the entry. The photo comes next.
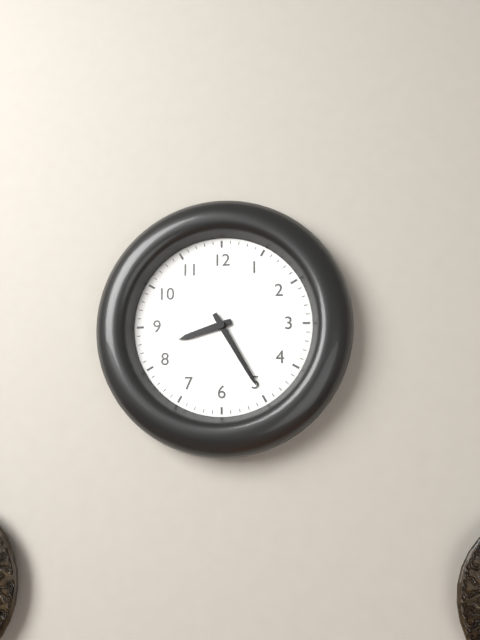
h=8 m=25
